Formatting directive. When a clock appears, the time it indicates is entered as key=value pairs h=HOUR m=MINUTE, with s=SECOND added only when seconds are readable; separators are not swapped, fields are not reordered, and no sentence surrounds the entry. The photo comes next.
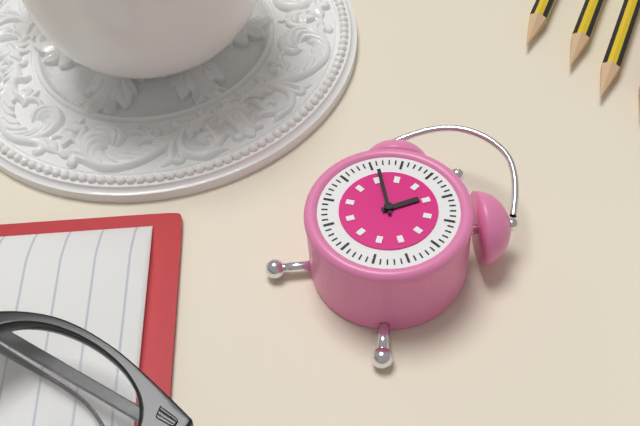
h=12 m=51
